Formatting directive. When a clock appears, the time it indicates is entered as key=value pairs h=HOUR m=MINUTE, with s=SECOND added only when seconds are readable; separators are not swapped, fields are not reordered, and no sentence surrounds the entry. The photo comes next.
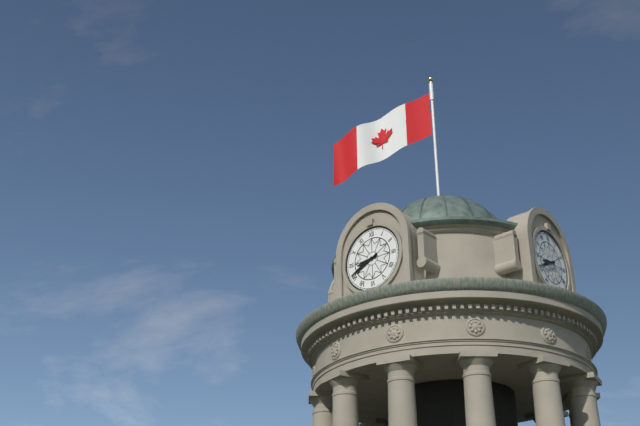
h=8 m=41
